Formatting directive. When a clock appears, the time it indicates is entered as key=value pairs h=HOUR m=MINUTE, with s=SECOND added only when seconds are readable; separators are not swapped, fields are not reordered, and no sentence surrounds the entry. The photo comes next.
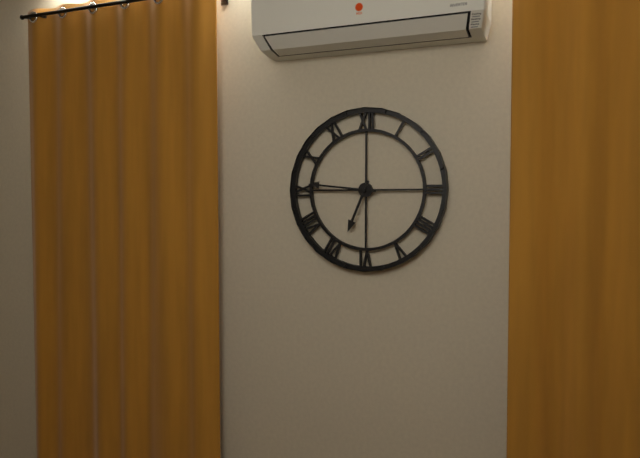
h=6 m=46
